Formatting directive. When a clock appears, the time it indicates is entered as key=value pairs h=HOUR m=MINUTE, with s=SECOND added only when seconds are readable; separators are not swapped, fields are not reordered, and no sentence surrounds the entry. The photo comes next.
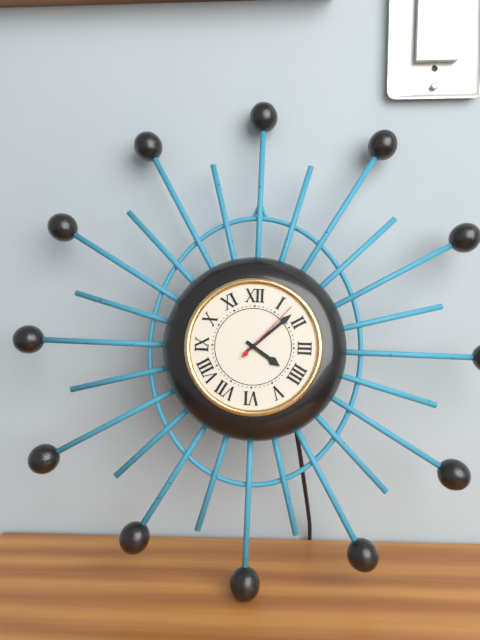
h=4 m=8 s=7
